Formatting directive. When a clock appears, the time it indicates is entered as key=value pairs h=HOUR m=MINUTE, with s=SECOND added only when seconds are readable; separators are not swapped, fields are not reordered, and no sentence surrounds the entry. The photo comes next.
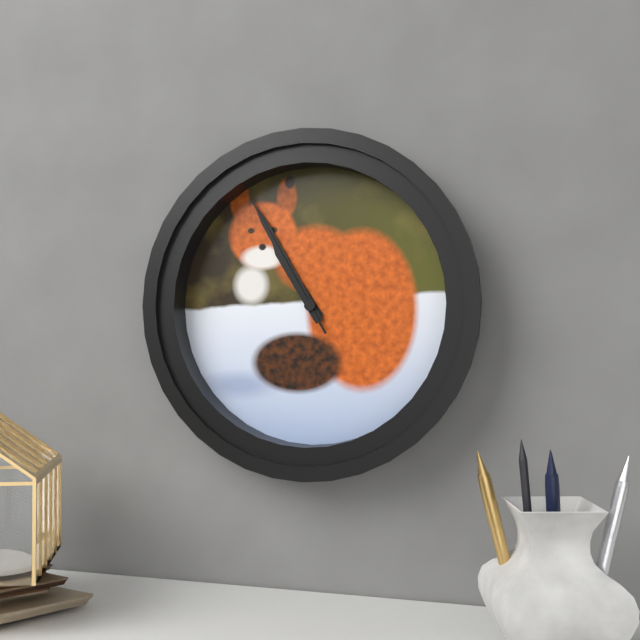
h=10 m=55 s=55
